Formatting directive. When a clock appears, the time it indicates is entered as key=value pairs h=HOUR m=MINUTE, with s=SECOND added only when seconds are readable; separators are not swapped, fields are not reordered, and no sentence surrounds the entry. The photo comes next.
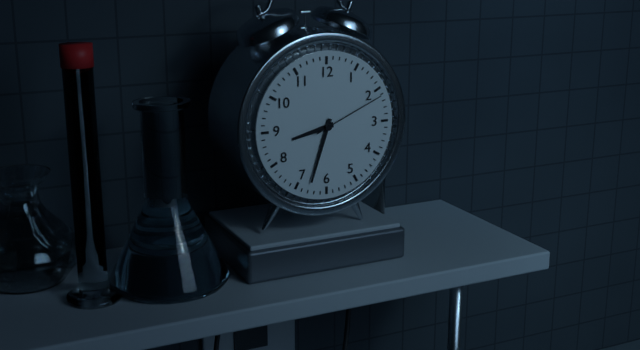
h=8 m=33 s=11
